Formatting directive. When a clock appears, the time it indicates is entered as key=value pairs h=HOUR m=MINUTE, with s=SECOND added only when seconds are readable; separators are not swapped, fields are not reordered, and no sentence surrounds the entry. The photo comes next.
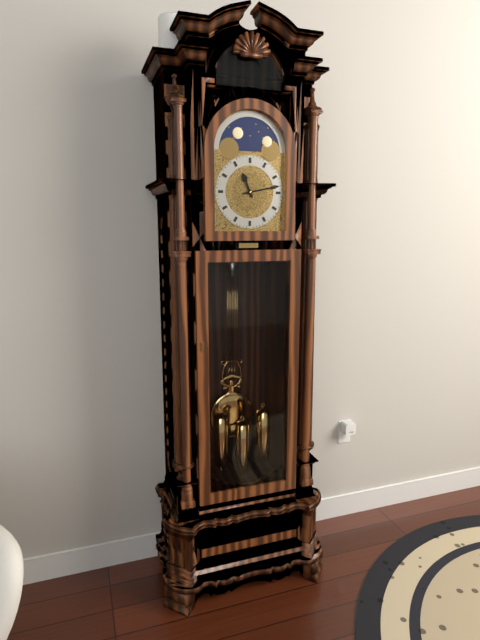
h=11 m=13
